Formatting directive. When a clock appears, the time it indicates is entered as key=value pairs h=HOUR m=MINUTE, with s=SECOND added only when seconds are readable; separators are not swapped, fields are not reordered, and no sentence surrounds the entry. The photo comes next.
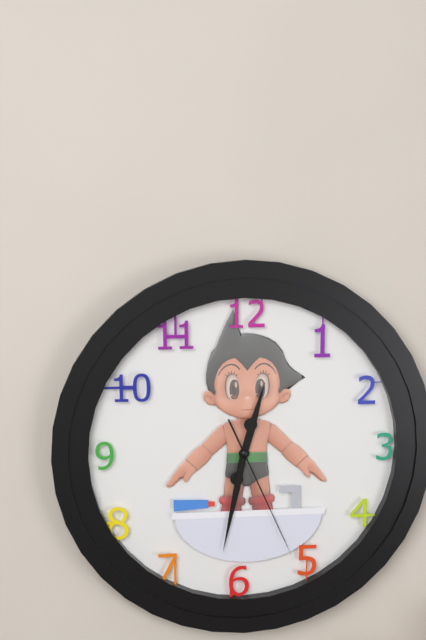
h=12 m=32 s=26
